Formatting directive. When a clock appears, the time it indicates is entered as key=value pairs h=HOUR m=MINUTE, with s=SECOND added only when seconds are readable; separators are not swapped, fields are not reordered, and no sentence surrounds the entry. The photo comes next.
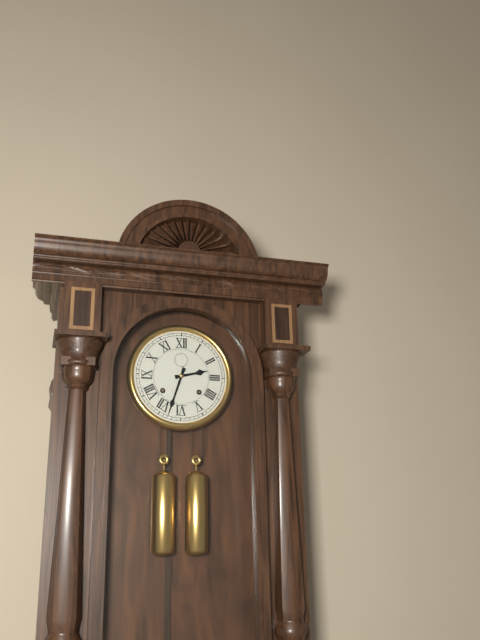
h=2 m=33
